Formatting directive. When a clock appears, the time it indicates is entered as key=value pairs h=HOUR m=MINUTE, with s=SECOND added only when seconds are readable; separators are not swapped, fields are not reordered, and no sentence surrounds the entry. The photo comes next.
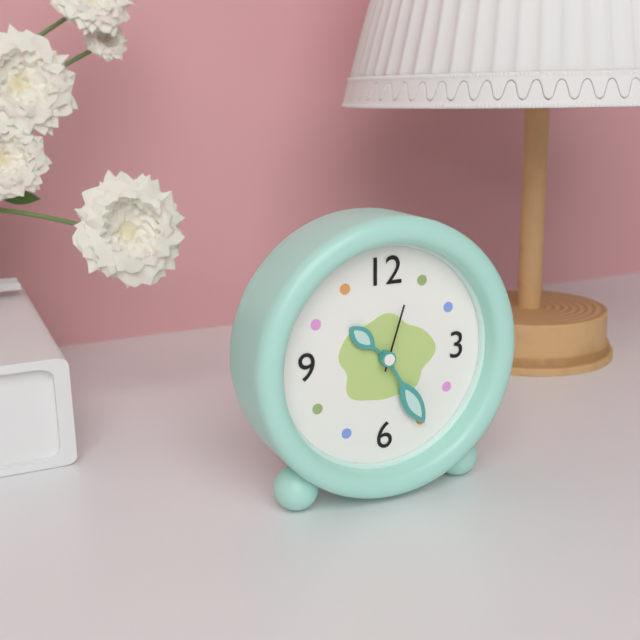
h=10 m=25 s=3
